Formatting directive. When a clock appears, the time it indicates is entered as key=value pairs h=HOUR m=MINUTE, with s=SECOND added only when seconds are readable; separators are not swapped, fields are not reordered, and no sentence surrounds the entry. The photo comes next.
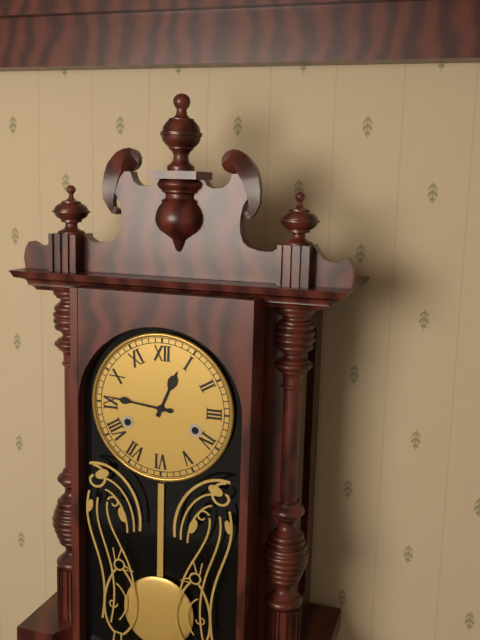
h=12 m=46
